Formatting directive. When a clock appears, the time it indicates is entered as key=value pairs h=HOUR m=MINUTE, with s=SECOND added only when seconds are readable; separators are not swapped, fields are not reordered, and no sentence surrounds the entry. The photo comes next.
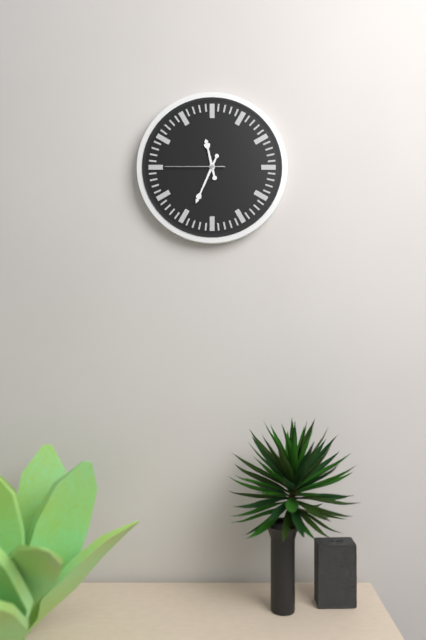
h=11 m=34 s=45
